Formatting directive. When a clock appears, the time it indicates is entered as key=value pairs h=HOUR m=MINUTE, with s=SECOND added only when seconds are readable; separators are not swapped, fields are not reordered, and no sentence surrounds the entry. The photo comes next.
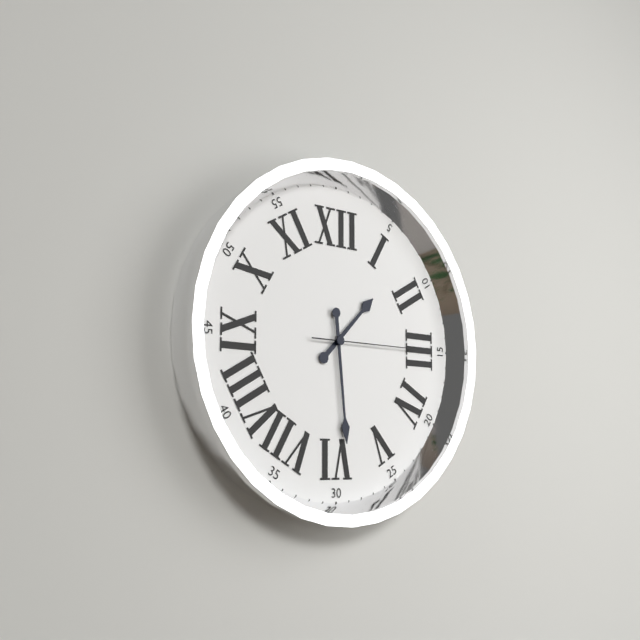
h=1 m=29 s=15
